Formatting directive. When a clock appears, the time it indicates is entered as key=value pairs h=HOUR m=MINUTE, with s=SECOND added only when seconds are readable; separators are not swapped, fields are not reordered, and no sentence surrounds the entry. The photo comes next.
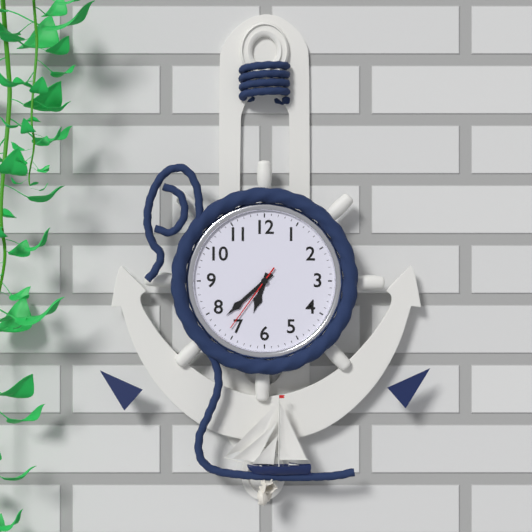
h=6 m=38 s=36
